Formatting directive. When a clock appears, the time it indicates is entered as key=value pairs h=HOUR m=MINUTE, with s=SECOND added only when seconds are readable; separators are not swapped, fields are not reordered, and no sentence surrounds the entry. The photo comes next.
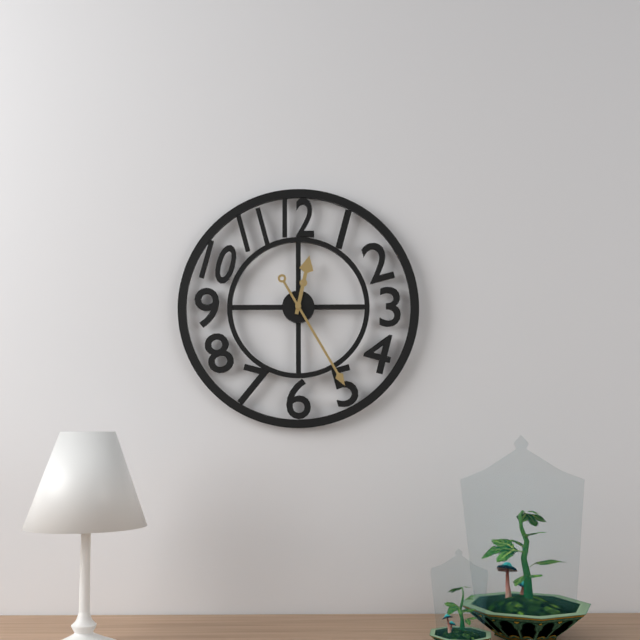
h=12 m=25
